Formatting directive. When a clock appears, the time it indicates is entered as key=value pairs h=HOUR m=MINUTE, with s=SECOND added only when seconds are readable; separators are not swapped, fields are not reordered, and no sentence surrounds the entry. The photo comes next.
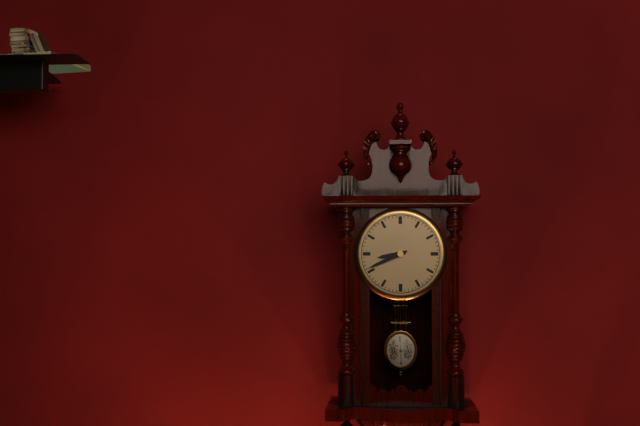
h=8 m=41
